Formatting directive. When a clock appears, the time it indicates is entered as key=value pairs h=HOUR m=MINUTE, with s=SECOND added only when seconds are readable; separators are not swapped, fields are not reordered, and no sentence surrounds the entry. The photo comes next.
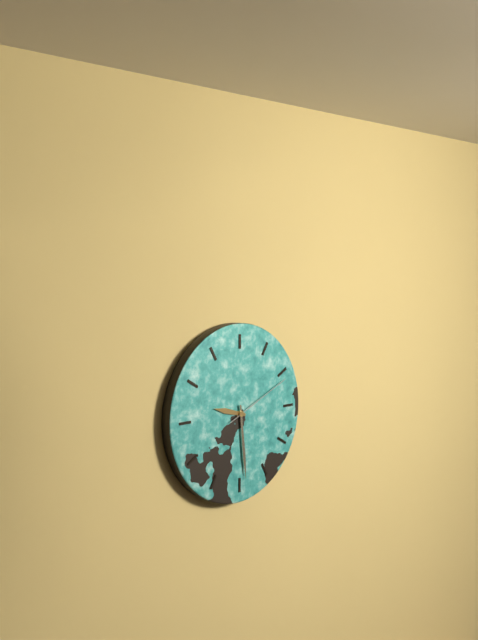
h=9 m=29 s=11
